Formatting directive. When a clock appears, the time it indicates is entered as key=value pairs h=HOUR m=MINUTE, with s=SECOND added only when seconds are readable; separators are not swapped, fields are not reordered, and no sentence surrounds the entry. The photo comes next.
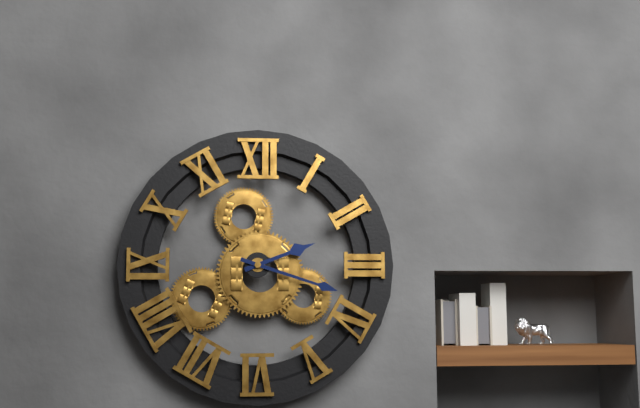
h=2 m=18
